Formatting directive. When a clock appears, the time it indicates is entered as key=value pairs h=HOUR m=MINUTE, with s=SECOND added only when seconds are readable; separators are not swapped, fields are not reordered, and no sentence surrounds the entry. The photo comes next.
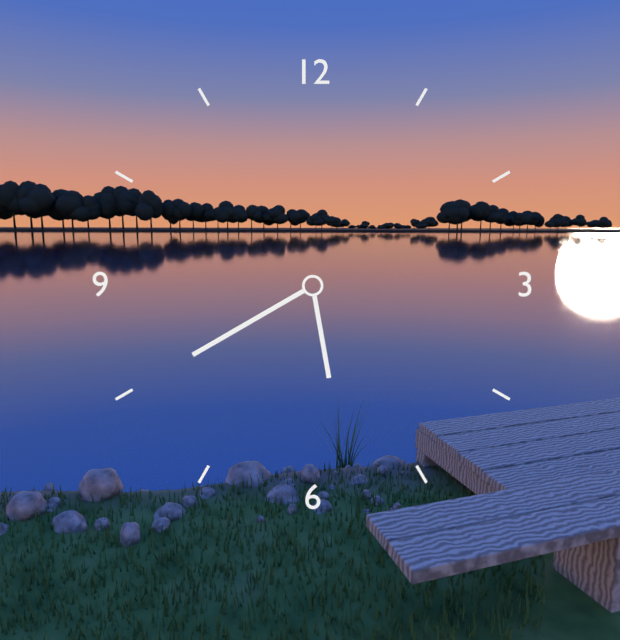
h=5 m=40
